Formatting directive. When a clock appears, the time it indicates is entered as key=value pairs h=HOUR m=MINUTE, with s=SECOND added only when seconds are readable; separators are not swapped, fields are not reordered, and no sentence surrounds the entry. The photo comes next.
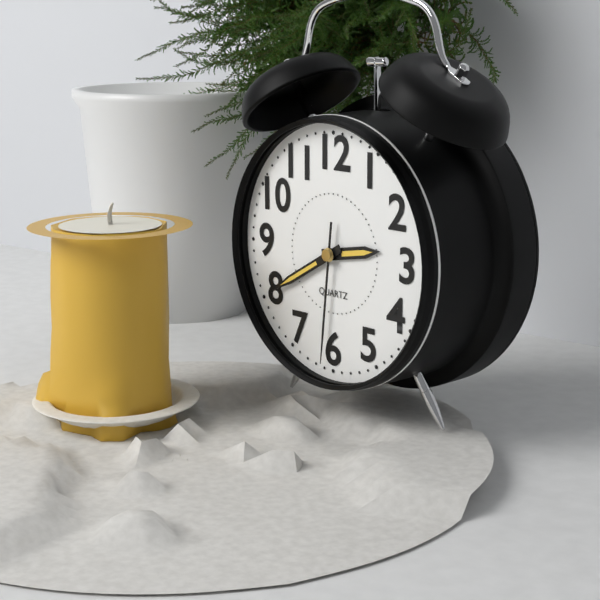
h=2 m=40 s=31
